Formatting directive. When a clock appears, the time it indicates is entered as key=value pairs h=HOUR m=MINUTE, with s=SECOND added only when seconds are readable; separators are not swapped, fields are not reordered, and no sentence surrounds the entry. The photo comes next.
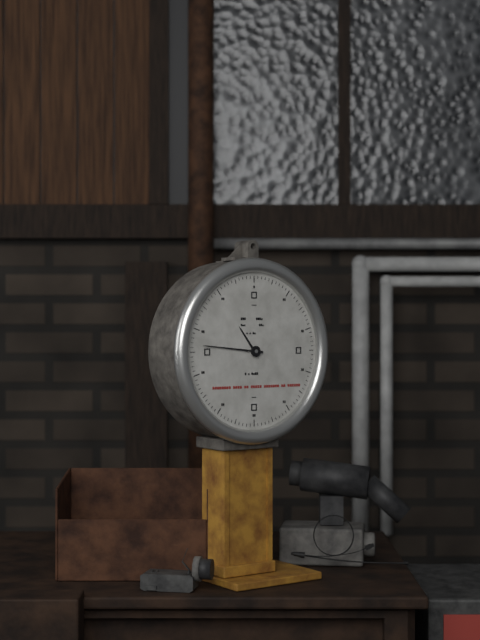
h=10 m=46
